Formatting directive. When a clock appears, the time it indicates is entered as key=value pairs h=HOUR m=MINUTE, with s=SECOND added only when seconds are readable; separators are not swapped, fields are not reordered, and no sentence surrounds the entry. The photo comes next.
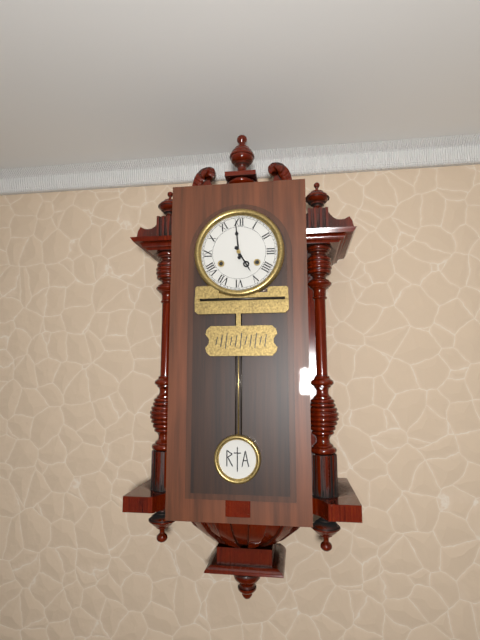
h=4 m=59
